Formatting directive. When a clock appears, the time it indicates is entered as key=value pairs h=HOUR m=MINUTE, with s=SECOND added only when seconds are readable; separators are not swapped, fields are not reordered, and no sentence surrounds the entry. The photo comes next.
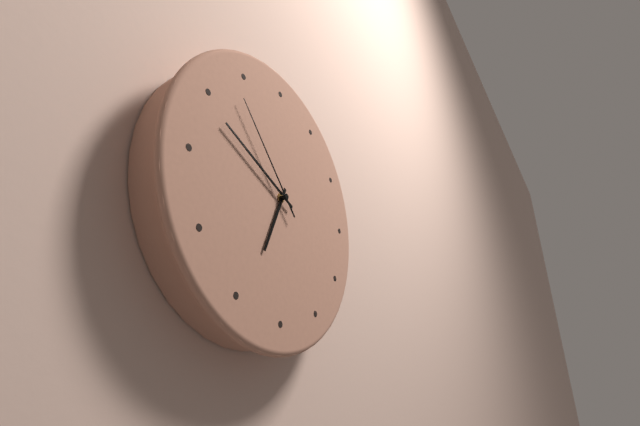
h=6 m=49 s=53
